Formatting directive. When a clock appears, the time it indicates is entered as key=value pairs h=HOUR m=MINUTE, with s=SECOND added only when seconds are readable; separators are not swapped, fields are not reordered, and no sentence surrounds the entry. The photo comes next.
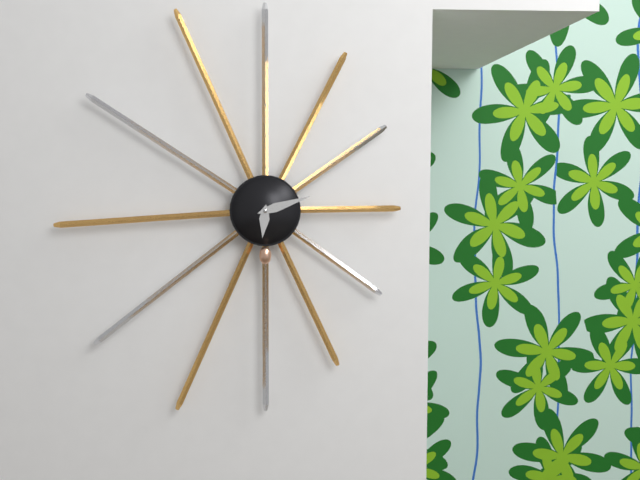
h=6 m=12
